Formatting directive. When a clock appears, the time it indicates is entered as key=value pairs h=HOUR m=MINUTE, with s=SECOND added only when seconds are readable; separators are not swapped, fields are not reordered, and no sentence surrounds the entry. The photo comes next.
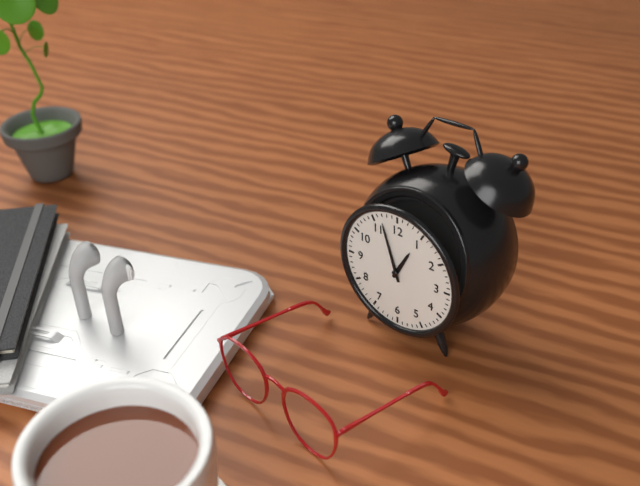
h=12 m=57
